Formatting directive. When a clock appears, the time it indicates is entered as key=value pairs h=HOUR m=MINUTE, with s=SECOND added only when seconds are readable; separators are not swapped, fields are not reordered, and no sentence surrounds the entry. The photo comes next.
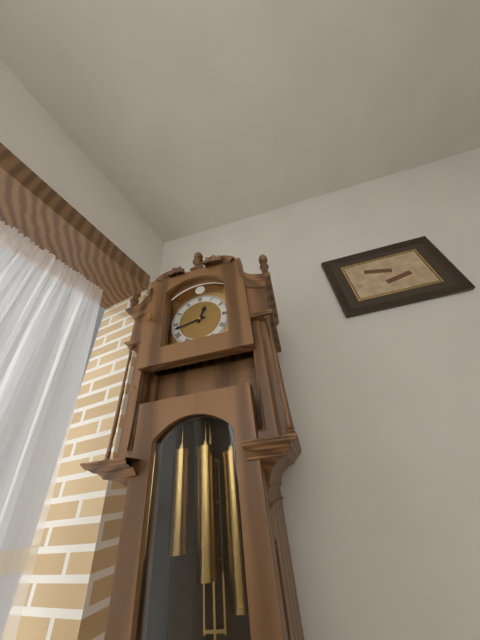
h=12 m=43
